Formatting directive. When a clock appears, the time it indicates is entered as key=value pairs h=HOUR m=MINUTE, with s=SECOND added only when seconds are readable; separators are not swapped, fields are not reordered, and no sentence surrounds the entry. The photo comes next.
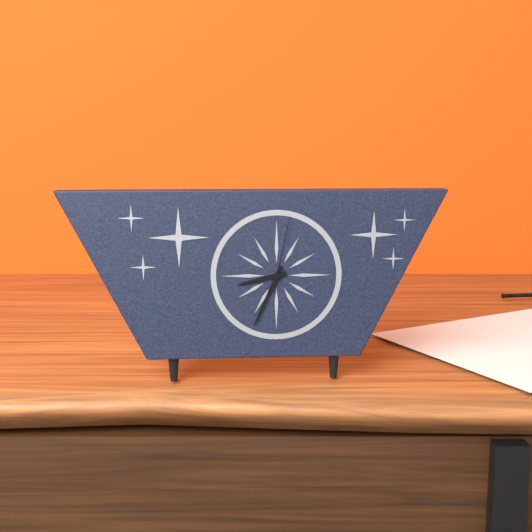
h=8 m=34 s=2
